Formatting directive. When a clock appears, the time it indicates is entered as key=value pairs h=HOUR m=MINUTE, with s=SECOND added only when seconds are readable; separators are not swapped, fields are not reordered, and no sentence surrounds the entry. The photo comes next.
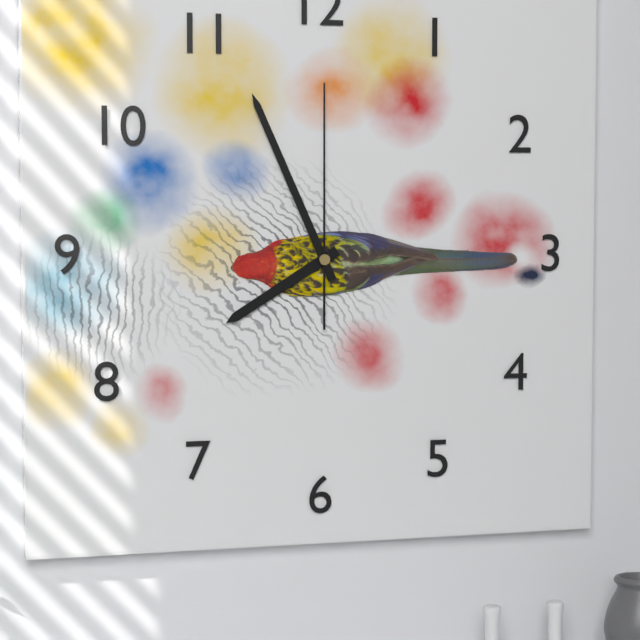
h=7 m=56 s=0
